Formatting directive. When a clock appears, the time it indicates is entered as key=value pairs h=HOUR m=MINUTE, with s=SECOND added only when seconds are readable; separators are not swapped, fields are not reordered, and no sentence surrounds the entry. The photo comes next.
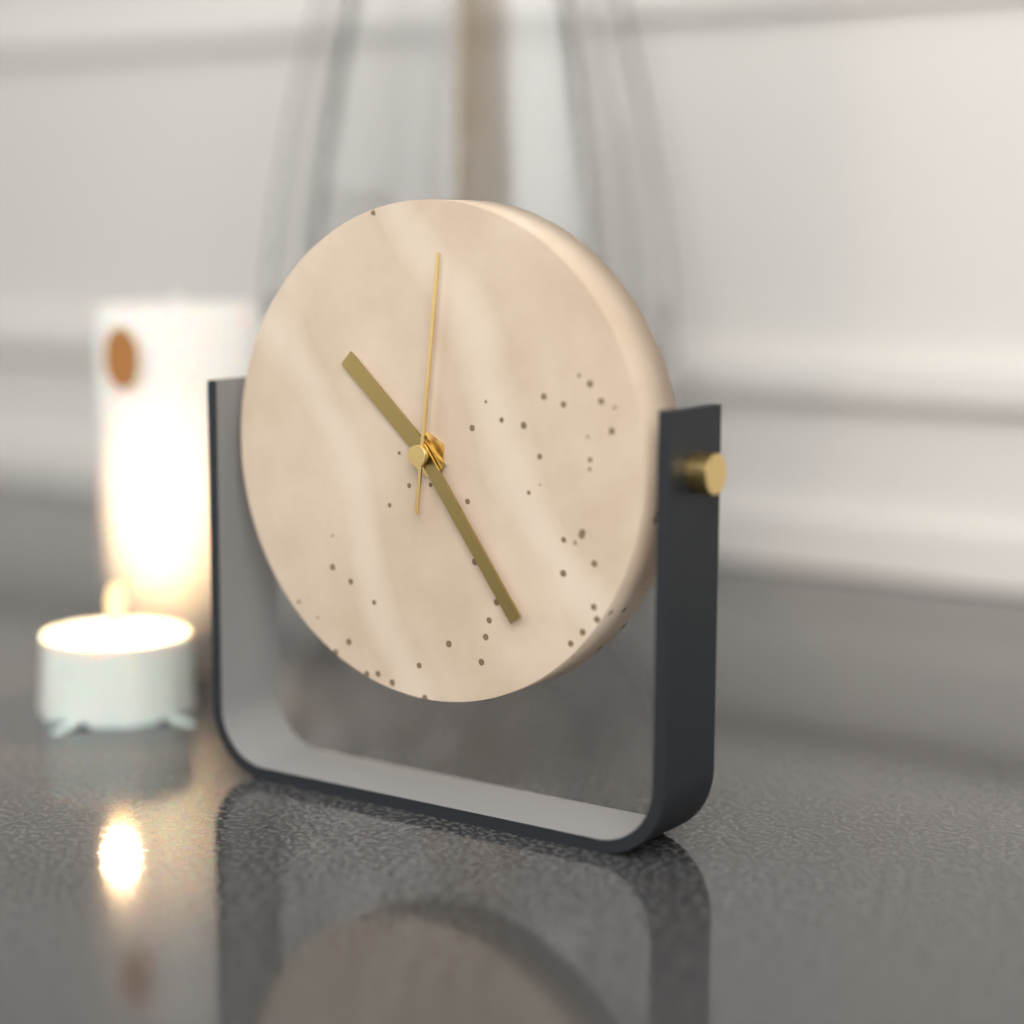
h=10 m=24 s=1
